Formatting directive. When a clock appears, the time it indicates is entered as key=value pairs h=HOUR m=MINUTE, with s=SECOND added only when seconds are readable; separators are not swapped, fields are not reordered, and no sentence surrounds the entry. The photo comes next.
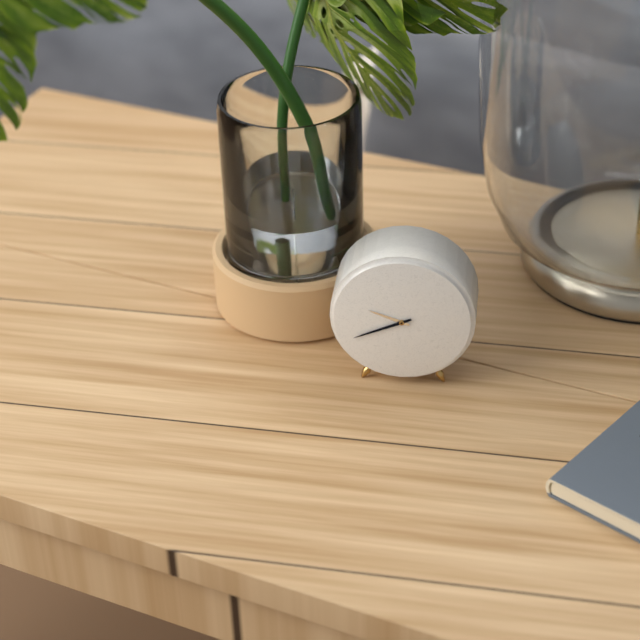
h=9 m=41
